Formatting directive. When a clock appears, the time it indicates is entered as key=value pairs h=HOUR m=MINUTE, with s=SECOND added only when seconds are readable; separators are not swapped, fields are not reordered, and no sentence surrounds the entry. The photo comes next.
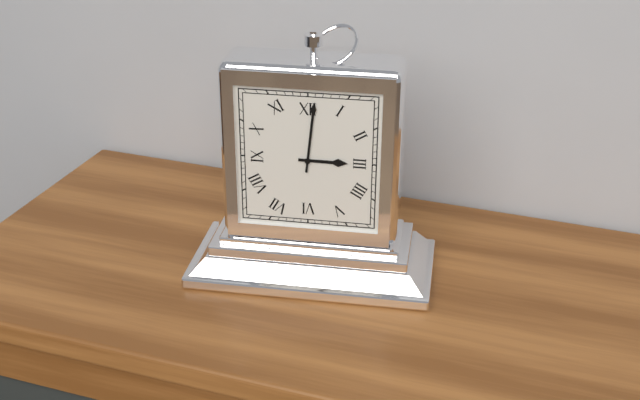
h=3 m=1
